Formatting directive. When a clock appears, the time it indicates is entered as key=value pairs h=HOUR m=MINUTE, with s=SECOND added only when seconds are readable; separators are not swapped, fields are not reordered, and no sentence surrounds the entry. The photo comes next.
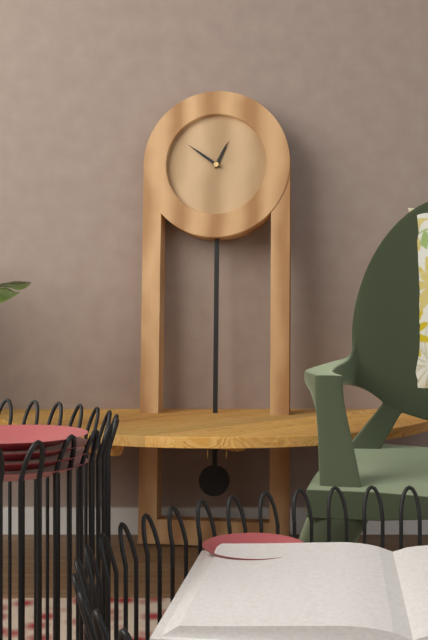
h=12 m=51
